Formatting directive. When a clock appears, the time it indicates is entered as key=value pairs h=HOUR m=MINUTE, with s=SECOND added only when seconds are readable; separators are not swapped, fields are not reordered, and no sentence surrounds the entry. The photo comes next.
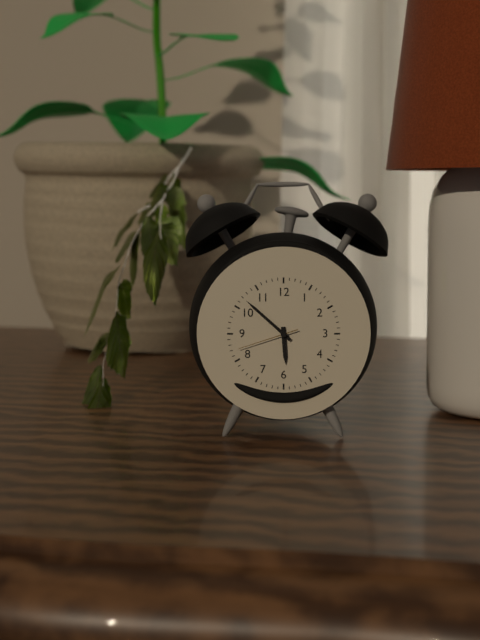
h=5 m=52 s=42
